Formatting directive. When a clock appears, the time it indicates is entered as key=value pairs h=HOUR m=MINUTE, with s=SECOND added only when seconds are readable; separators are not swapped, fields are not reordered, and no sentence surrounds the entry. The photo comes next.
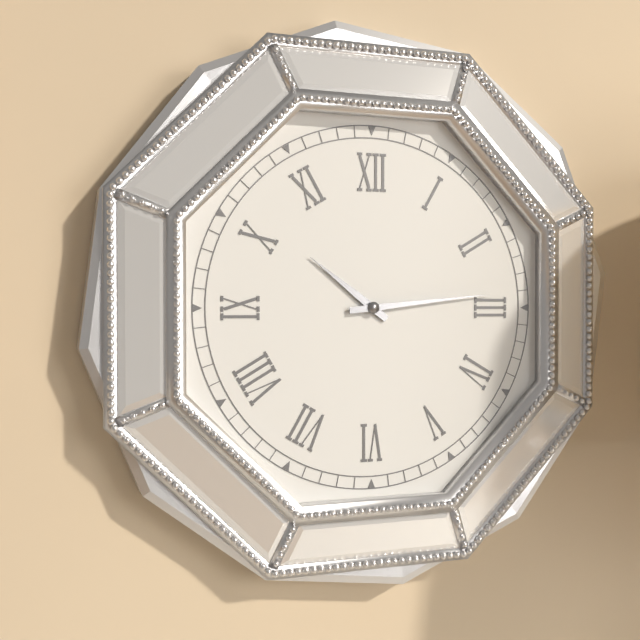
h=10 m=14
